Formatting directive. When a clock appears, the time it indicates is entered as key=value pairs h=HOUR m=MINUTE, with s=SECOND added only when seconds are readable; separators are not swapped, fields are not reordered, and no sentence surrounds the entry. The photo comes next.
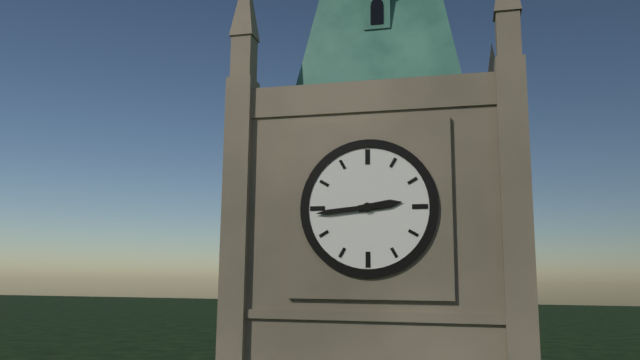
h=2 m=44
